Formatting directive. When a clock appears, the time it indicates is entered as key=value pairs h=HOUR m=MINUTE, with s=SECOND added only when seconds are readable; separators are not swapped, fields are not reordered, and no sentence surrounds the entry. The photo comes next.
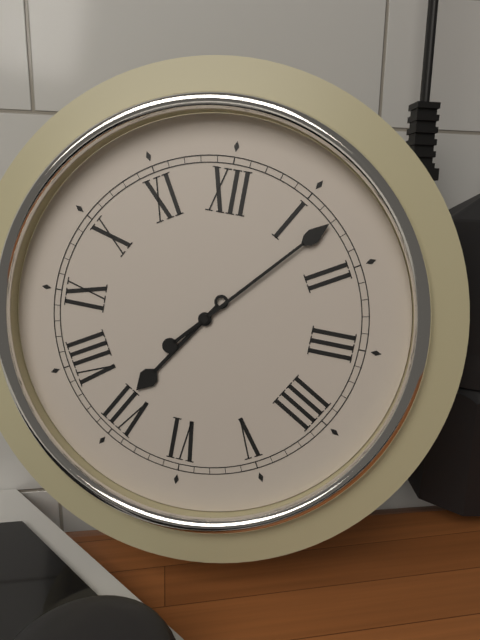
h=7 m=7
